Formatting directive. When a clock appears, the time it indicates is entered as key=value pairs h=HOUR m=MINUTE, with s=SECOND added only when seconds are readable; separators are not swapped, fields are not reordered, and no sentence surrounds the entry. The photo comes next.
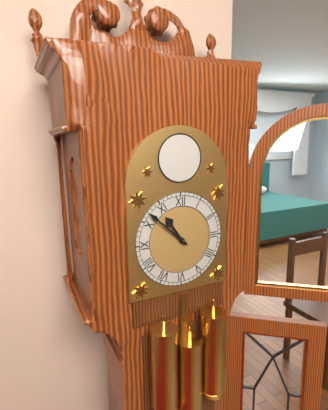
h=10 m=52
